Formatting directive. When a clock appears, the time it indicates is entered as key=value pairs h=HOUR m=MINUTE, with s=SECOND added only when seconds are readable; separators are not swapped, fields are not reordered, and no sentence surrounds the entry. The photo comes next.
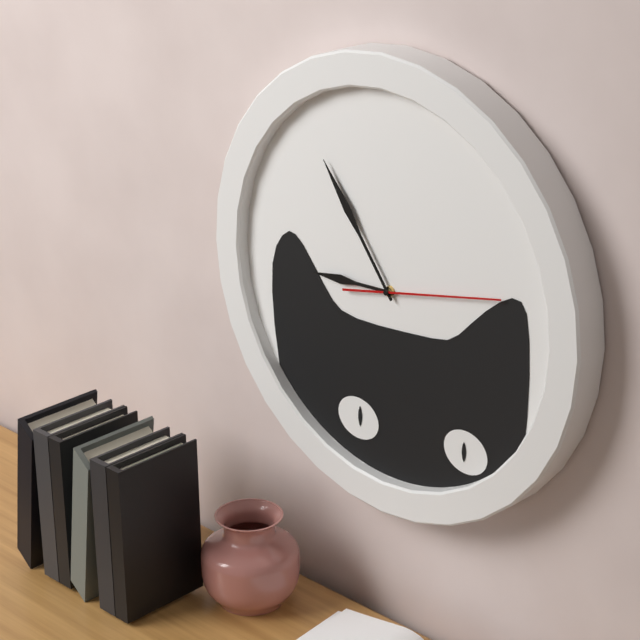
h=8 m=54 s=13
